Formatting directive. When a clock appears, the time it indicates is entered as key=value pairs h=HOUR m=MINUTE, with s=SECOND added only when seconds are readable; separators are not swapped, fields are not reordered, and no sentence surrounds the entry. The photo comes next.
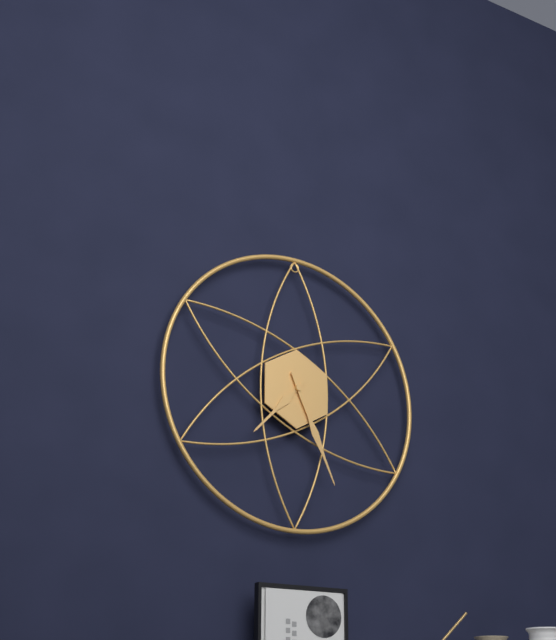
h=7 m=26
